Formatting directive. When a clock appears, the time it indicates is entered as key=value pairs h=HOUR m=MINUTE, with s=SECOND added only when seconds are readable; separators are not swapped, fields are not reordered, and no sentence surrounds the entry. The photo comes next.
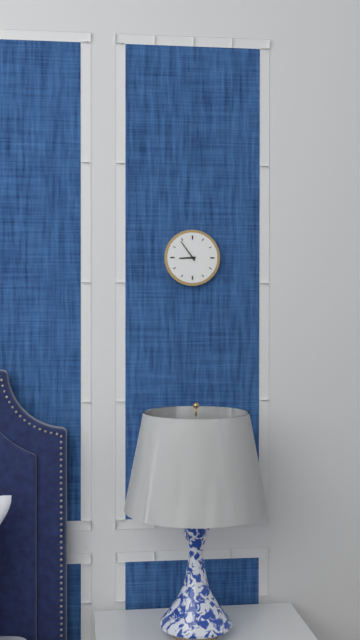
h=8 m=54
